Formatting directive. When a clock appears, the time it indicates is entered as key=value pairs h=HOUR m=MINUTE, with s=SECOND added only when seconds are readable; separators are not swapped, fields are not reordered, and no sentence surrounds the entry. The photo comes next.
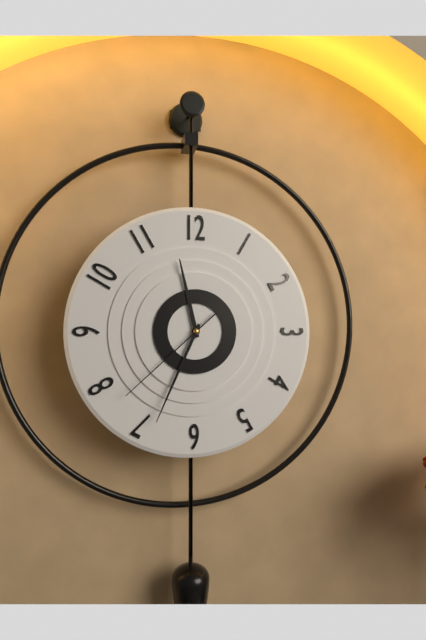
h=11 m=34 s=38
